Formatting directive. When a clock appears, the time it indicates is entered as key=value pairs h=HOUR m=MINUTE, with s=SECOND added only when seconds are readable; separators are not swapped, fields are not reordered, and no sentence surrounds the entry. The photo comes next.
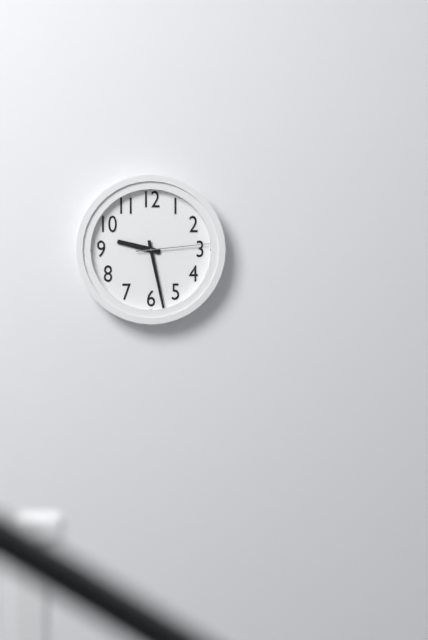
h=9 m=28 s=14
